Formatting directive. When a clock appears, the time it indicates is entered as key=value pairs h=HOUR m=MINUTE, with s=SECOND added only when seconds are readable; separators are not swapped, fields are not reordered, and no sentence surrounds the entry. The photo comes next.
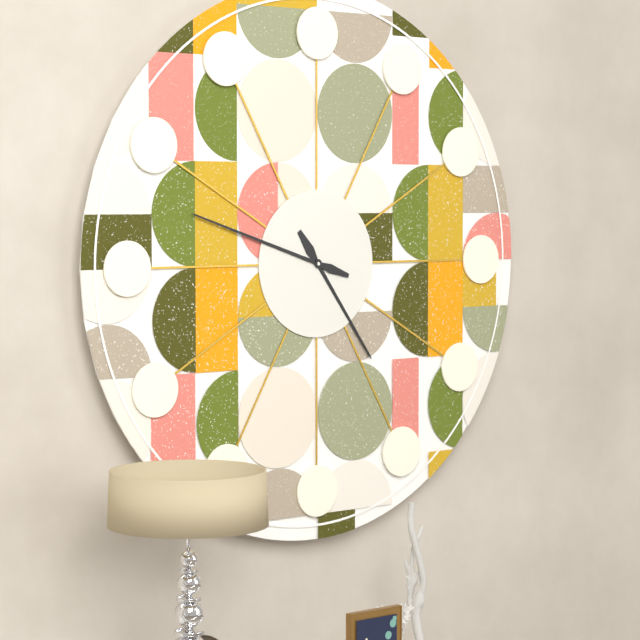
h=4 m=48
